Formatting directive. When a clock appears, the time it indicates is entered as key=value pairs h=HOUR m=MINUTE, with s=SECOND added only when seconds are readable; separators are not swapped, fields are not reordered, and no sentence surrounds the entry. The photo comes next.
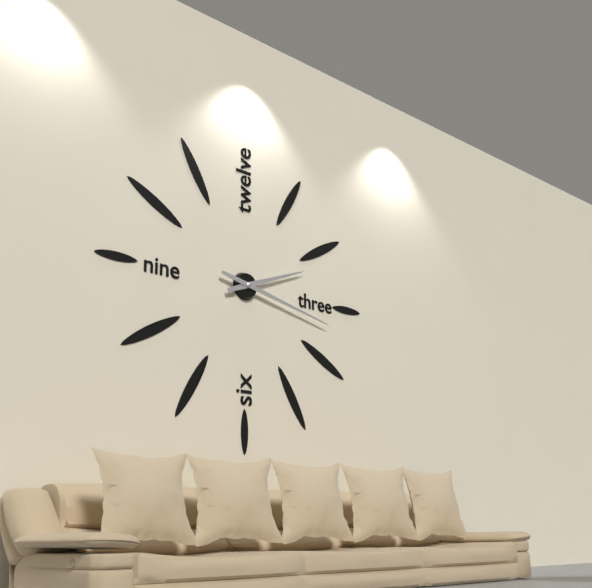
h=2 m=17
